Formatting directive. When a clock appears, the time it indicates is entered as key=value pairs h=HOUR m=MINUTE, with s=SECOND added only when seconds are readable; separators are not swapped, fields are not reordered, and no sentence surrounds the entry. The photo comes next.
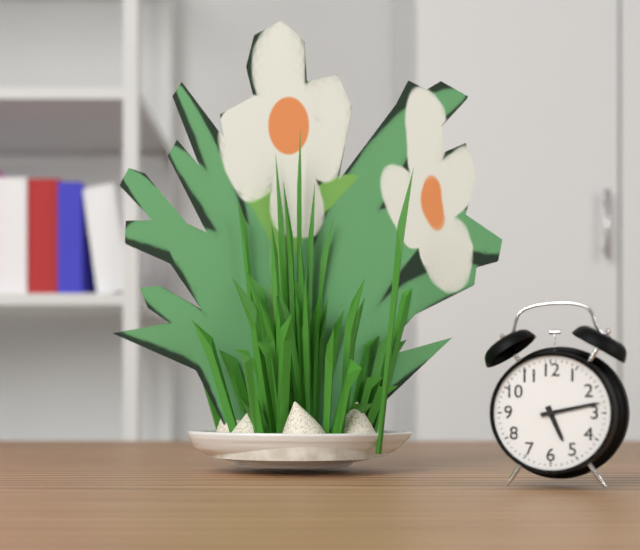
h=5 m=13
